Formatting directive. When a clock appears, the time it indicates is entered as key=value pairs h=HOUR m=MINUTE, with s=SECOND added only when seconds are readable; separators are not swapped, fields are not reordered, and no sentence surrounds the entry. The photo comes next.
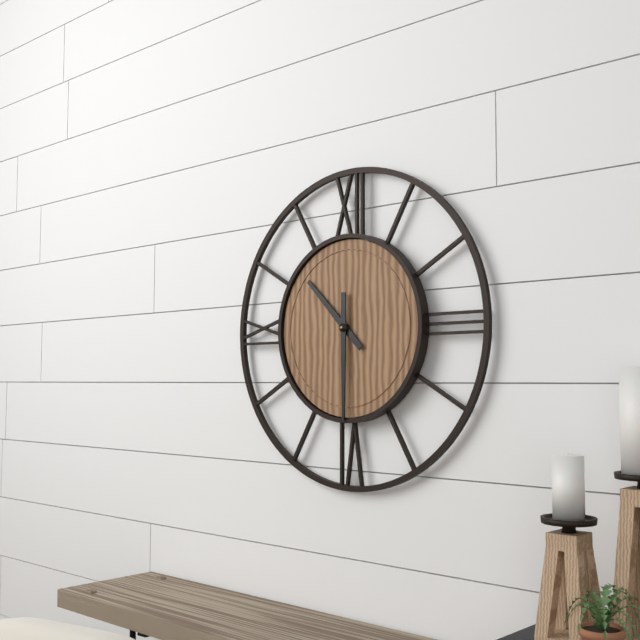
h=10 m=30
